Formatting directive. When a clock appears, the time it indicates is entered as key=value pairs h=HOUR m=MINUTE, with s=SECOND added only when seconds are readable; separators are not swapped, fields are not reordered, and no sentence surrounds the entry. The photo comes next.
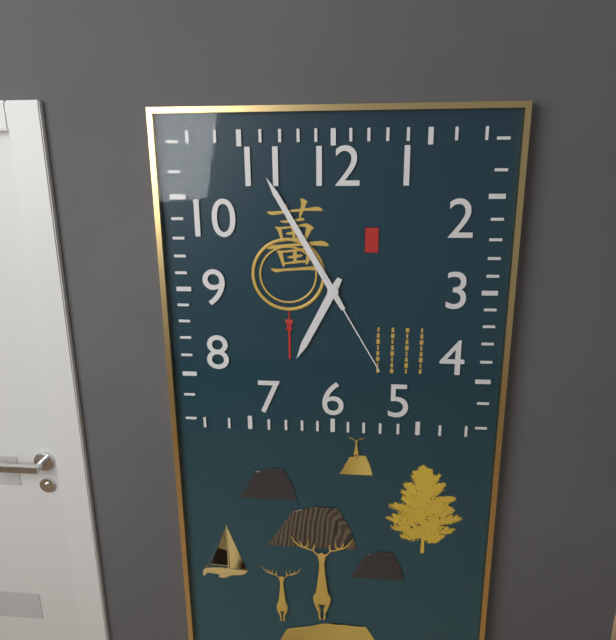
h=6 m=55 s=25
